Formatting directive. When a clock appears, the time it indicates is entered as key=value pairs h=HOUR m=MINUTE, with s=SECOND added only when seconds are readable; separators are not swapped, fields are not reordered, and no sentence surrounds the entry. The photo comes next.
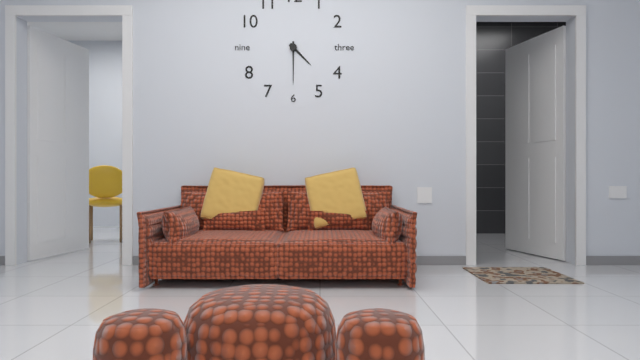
h=4 m=30
